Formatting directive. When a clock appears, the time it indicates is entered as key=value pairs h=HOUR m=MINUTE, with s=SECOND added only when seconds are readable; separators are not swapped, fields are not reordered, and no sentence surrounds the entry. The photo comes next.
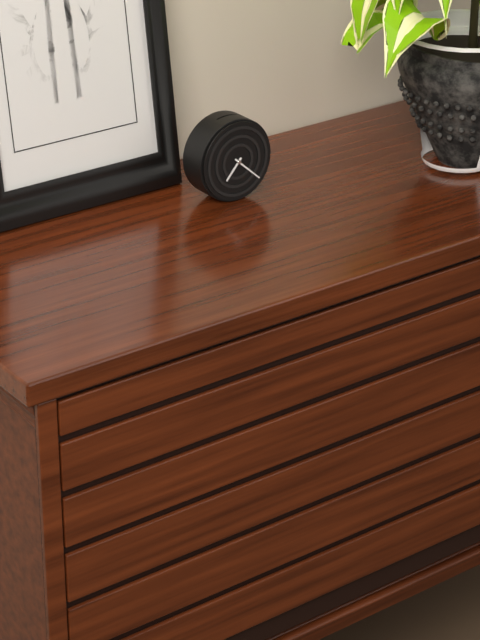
h=7 m=22
